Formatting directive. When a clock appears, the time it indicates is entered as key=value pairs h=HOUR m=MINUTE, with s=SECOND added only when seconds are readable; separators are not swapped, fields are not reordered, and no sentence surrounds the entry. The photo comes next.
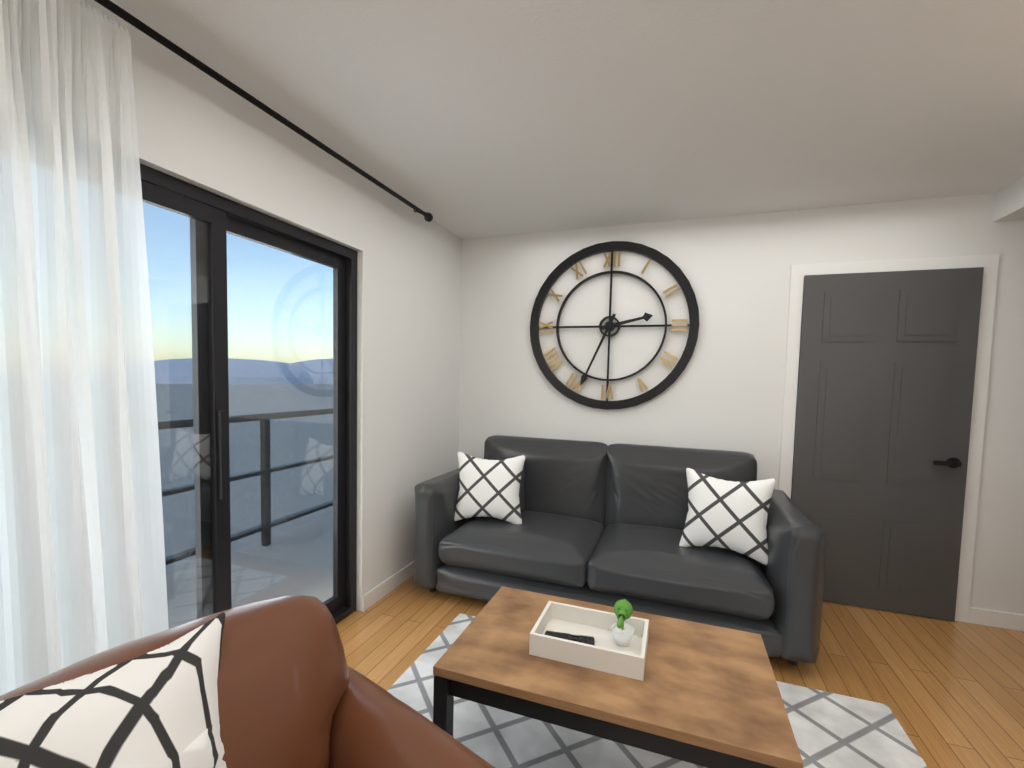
h=2 m=34
